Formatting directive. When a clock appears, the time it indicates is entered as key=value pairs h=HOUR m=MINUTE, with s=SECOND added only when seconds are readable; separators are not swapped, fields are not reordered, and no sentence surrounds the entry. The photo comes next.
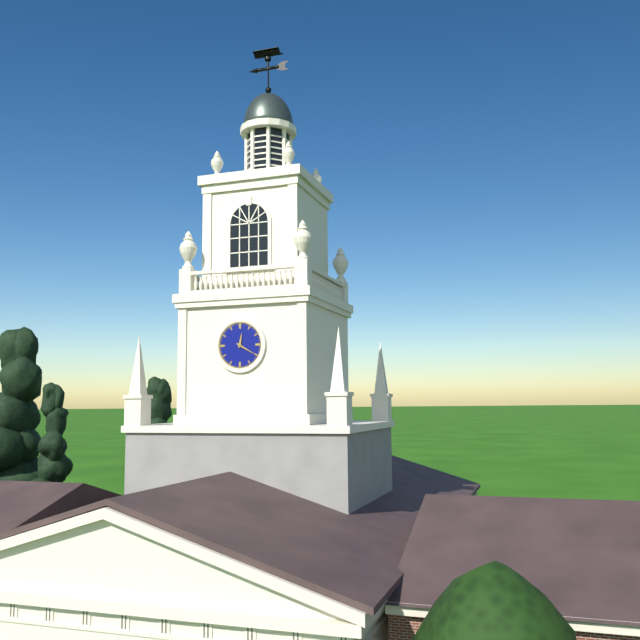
h=12 m=20
